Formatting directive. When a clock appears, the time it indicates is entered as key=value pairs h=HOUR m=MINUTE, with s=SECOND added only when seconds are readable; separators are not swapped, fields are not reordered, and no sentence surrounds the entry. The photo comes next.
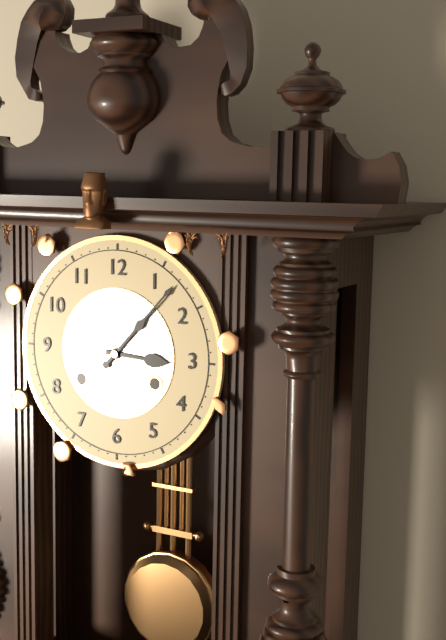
h=3 m=7
